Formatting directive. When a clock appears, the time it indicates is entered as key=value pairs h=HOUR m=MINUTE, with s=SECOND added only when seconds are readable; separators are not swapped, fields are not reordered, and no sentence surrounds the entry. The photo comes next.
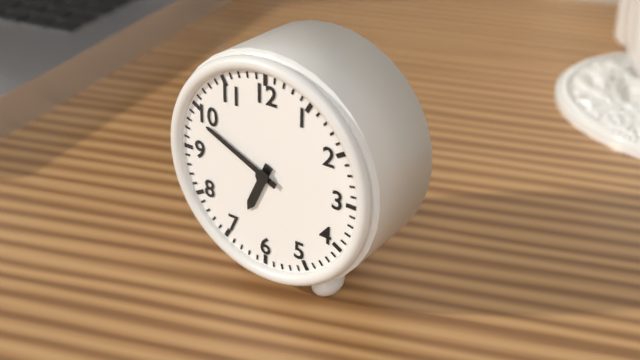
h=6 m=49
